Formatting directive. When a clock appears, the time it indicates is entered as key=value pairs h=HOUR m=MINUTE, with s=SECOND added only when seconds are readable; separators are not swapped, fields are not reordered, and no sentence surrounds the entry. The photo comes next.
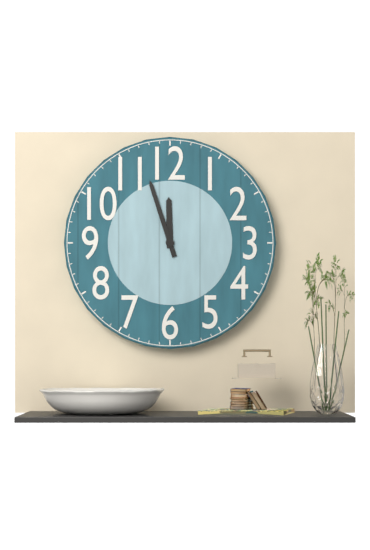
h=11 m=57
